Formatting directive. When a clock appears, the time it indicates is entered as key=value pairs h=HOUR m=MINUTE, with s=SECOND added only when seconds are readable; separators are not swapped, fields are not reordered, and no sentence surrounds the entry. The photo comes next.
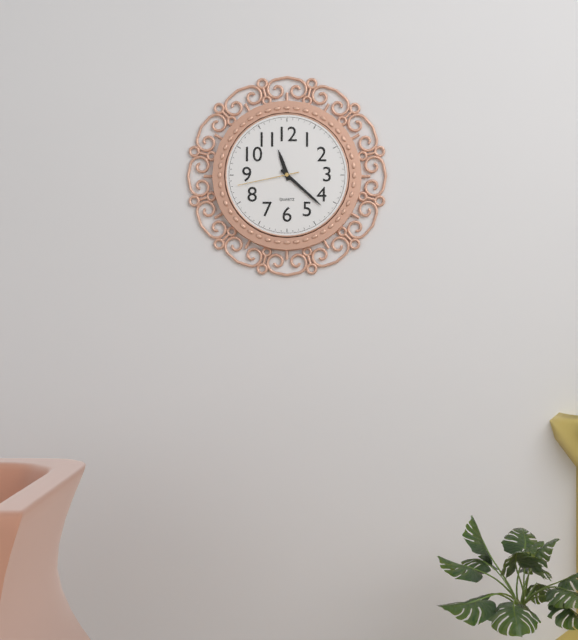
h=11 m=22 s=43
